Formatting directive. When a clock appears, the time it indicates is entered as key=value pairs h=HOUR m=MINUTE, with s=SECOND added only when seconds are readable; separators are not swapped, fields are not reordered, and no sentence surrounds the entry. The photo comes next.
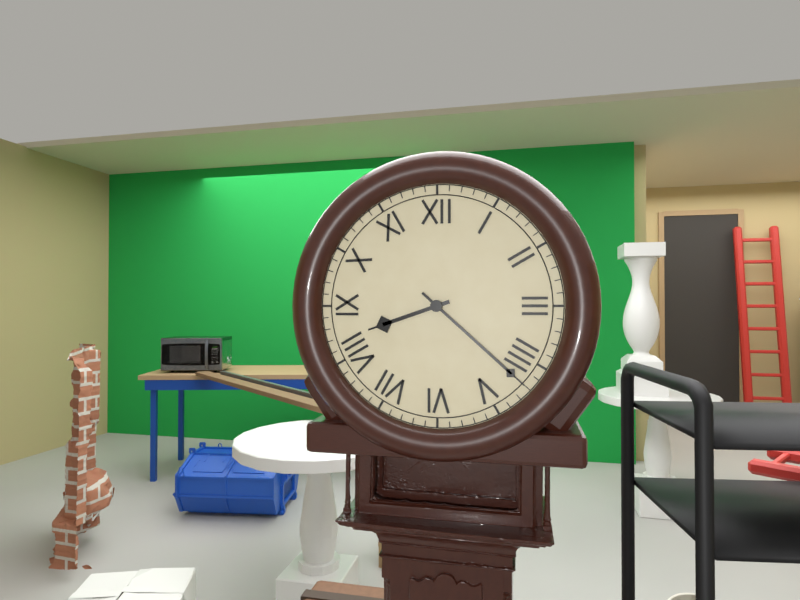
h=8 m=22
